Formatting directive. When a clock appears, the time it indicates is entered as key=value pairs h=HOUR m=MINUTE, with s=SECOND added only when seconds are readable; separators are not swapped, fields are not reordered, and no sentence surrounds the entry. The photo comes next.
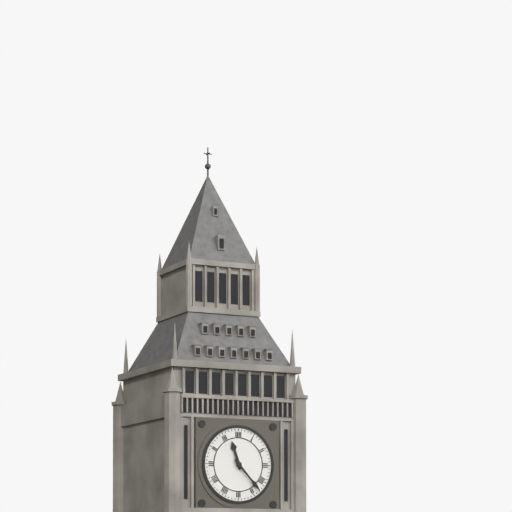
h=11 m=23
